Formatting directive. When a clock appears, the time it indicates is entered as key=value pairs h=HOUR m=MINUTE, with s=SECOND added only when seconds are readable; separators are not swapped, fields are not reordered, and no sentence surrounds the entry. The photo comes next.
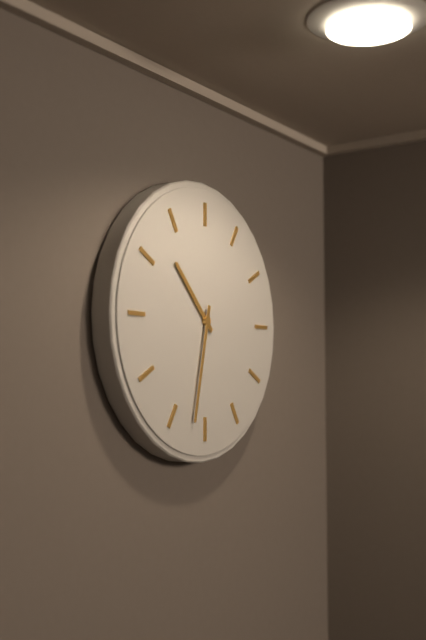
h=10 m=32
